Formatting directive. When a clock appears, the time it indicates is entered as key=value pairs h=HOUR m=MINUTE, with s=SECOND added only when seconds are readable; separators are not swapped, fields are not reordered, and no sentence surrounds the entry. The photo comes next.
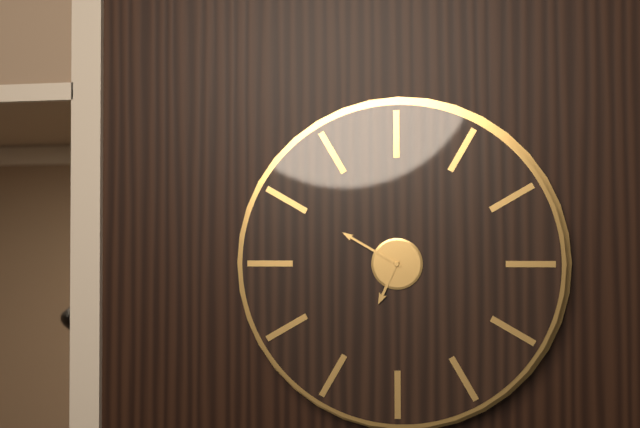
h=6 m=50
